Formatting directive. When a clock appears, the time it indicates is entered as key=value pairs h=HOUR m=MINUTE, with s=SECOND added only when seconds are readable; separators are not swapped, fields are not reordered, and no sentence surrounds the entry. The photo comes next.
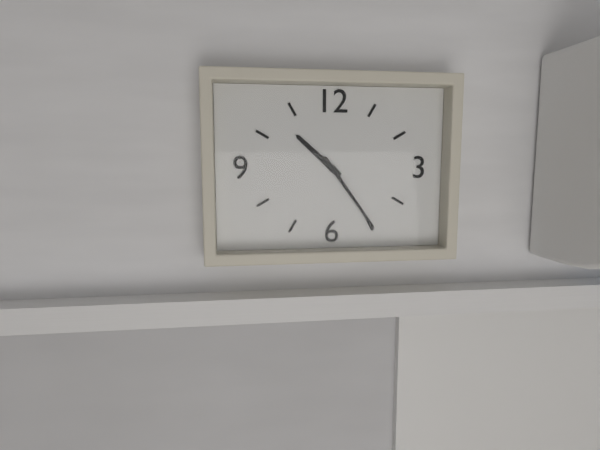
h=10 m=24
